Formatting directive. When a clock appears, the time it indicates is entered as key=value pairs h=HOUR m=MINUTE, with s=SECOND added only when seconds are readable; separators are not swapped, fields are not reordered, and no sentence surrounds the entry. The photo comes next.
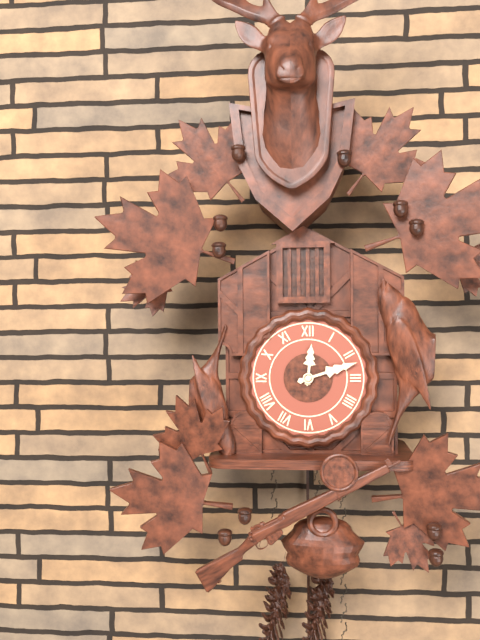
h=12 m=12
